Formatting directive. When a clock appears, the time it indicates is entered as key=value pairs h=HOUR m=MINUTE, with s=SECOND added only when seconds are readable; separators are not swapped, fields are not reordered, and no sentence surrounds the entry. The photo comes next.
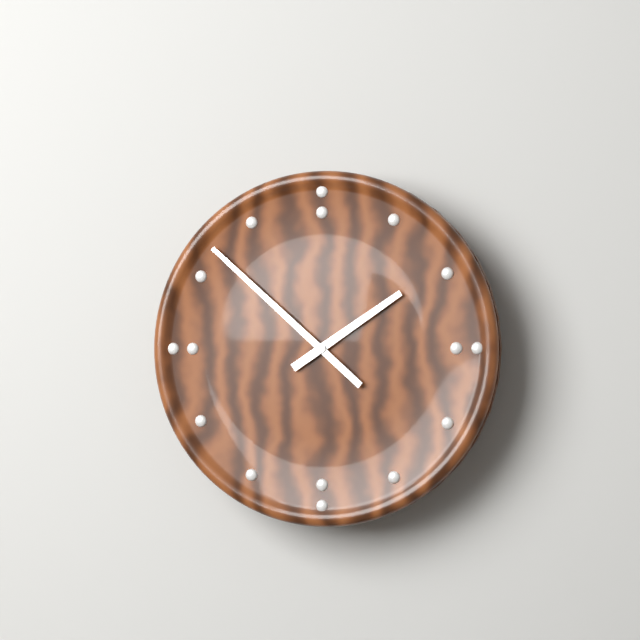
h=1 m=52
